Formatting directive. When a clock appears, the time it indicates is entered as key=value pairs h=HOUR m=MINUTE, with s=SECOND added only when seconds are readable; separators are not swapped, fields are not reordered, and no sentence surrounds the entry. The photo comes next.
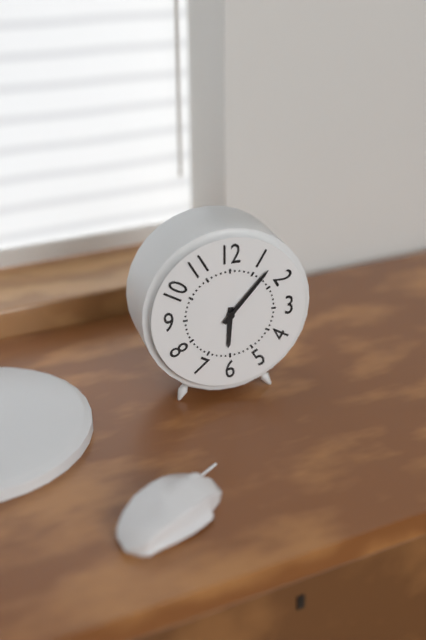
h=6 m=7
